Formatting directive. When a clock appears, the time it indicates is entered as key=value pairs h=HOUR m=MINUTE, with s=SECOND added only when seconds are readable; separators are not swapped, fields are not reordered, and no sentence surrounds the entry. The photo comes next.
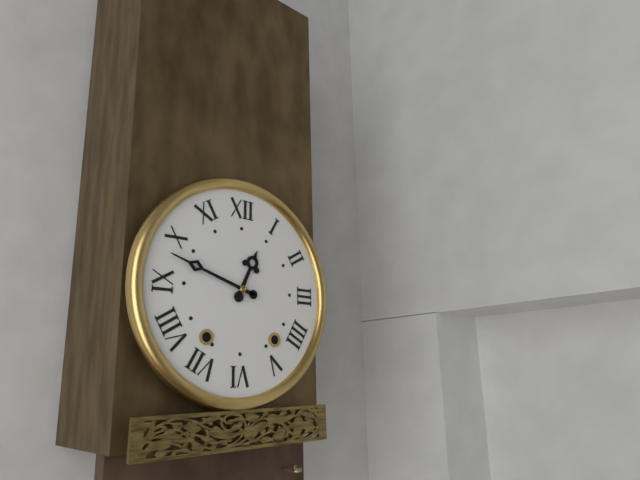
h=12 m=48
